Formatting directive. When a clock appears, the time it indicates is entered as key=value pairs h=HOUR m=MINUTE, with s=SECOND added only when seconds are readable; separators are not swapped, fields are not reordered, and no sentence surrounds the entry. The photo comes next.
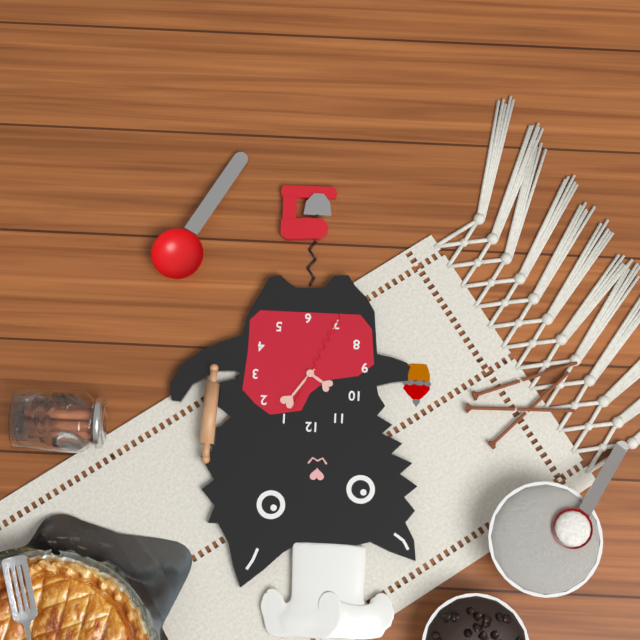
h=10 m=6 s=34
